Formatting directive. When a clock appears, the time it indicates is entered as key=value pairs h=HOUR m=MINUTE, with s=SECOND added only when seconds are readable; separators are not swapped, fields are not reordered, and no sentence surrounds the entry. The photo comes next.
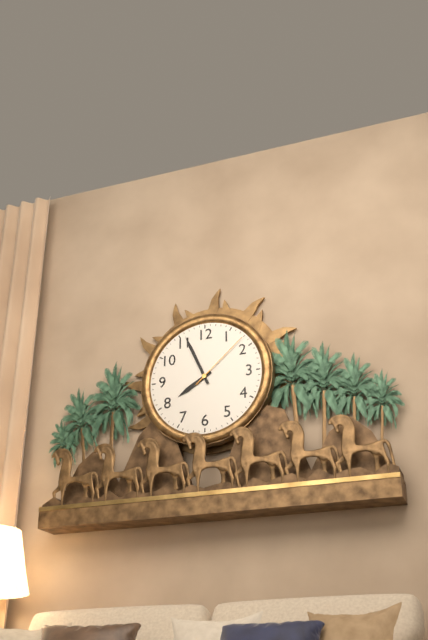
h=7 m=56 s=8
